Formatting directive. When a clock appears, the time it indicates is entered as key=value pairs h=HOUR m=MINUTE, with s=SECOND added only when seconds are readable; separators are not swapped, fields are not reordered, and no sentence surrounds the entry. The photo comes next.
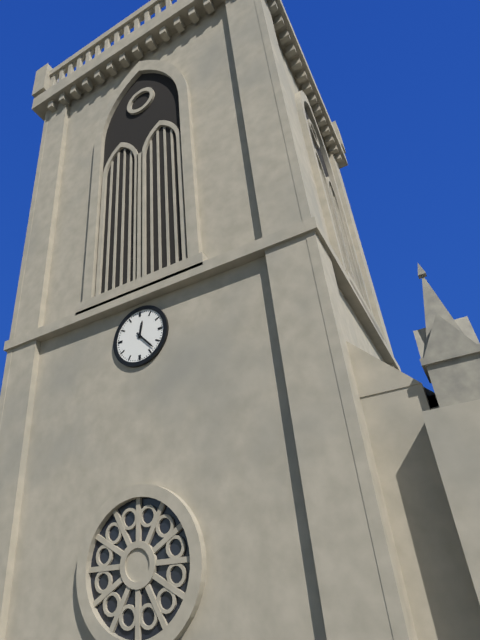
h=12 m=23
